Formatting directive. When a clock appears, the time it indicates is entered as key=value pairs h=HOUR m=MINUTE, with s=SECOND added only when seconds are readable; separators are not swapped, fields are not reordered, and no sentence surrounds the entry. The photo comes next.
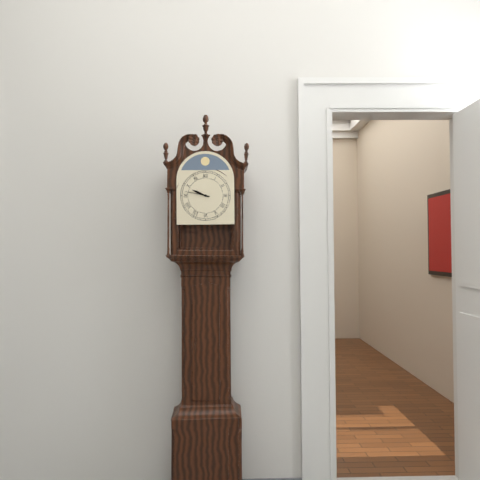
h=9 m=47
